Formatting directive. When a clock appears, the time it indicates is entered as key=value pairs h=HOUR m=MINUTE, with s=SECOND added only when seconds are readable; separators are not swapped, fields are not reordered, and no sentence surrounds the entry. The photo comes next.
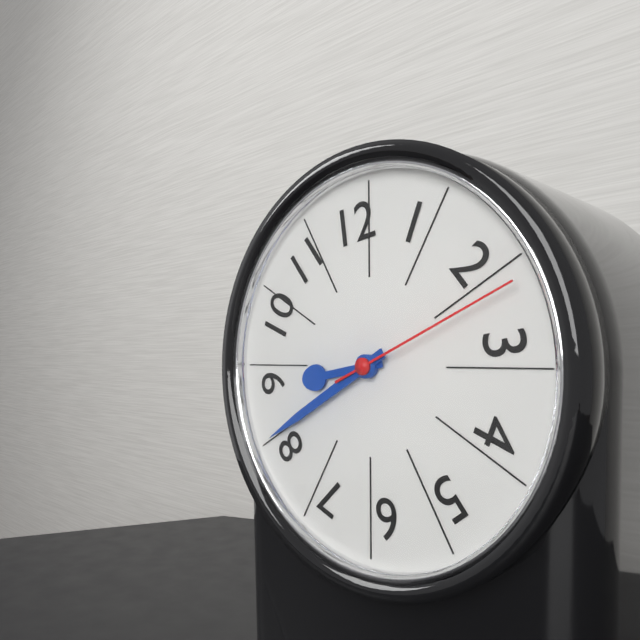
h=8 m=40 s=11
